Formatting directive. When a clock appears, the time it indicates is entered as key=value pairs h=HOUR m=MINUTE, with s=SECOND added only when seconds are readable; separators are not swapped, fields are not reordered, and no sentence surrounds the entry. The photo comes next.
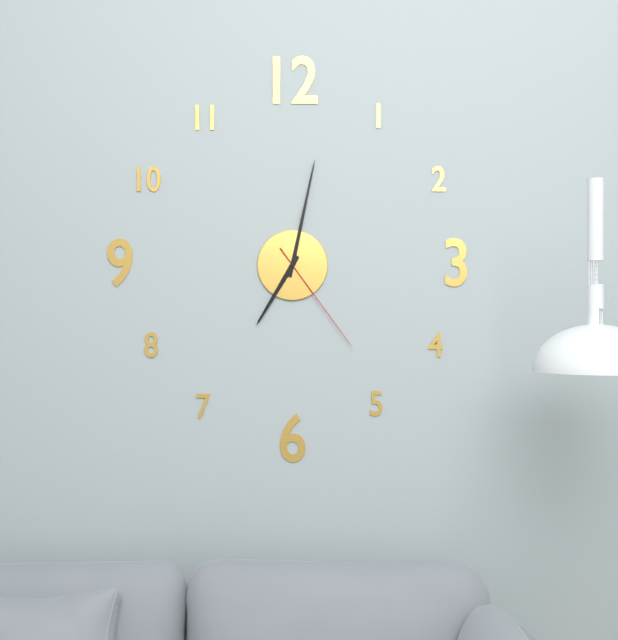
h=7 m=2 s=24
